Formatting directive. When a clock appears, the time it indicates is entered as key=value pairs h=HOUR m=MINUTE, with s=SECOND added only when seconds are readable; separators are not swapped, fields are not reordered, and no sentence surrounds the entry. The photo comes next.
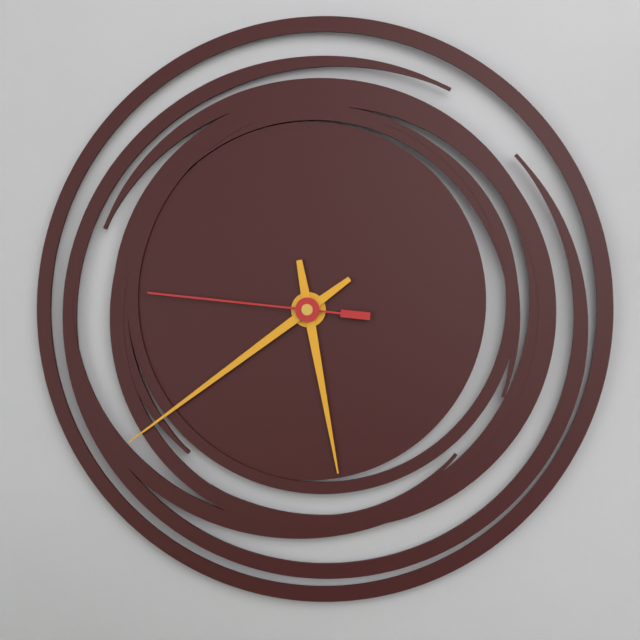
h=5 m=39 s=46
